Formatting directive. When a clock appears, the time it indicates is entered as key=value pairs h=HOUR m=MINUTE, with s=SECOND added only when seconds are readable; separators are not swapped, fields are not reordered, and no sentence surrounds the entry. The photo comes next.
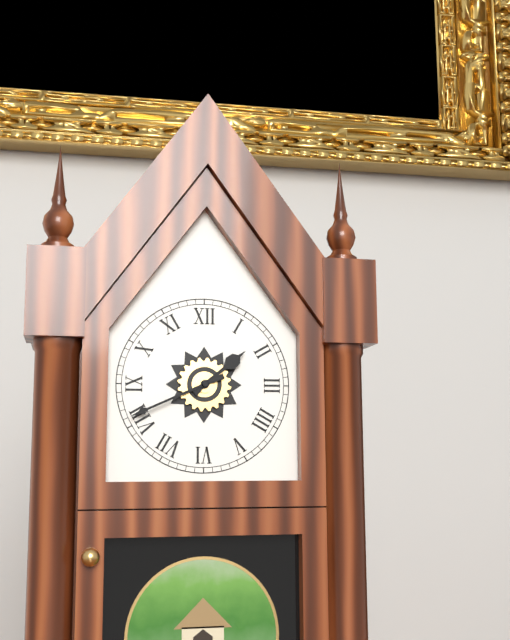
h=1 m=41
